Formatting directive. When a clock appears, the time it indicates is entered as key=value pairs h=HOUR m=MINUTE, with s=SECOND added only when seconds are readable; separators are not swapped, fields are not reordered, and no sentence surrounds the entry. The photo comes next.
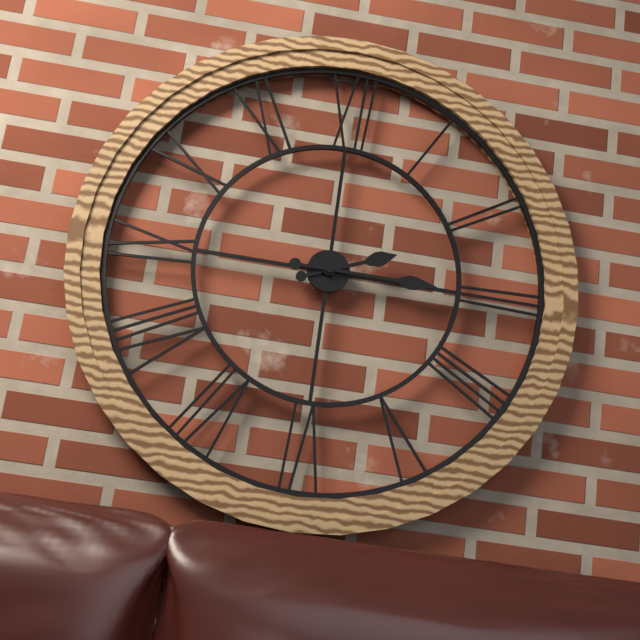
h=2 m=15
